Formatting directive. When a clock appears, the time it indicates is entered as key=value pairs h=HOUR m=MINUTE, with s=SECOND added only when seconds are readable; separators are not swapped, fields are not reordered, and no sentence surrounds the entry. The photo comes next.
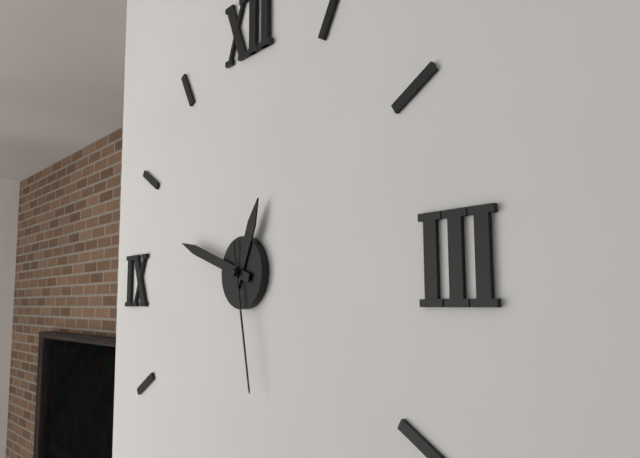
h=12 m=48 s=28
